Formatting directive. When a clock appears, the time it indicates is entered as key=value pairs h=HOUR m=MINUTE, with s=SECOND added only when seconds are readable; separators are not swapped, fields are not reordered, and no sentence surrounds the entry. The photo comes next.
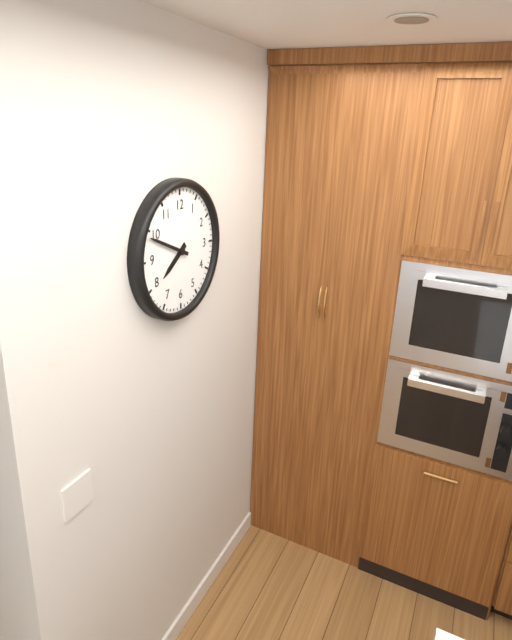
h=7 m=49
